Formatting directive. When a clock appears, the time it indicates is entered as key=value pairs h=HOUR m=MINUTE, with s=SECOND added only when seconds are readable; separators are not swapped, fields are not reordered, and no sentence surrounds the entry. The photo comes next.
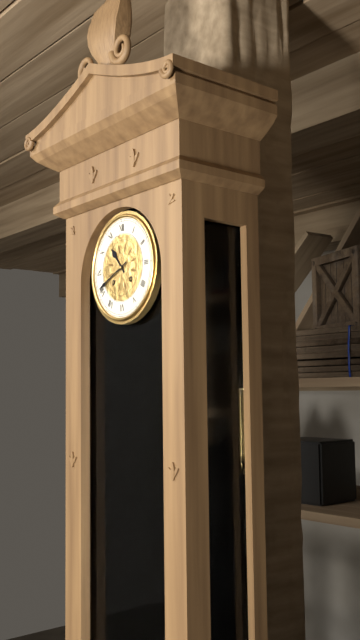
h=10 m=41
